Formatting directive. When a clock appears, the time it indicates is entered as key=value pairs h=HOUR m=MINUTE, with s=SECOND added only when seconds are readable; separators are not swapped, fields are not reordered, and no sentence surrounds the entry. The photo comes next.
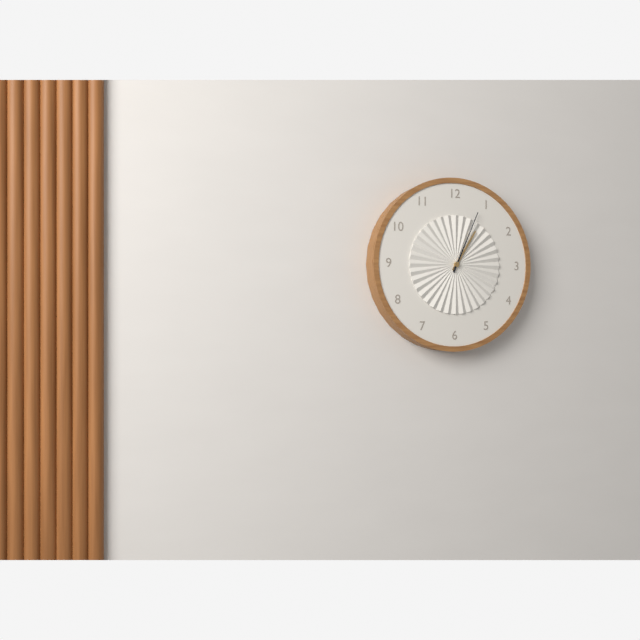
h=1 m=4
